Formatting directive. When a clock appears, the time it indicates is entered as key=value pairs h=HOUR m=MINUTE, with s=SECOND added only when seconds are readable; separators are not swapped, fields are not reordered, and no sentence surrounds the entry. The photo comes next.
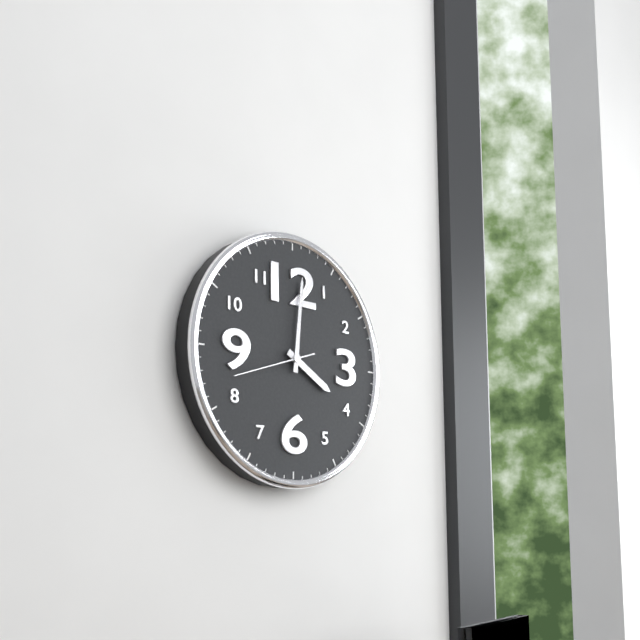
h=4 m=1 s=42
